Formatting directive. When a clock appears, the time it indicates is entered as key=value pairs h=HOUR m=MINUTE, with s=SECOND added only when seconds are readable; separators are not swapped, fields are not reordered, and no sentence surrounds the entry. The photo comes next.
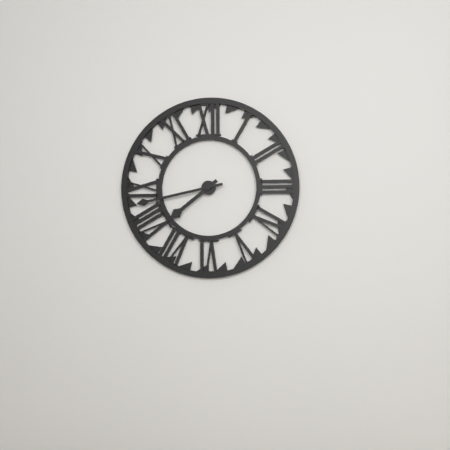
h=7 m=43
